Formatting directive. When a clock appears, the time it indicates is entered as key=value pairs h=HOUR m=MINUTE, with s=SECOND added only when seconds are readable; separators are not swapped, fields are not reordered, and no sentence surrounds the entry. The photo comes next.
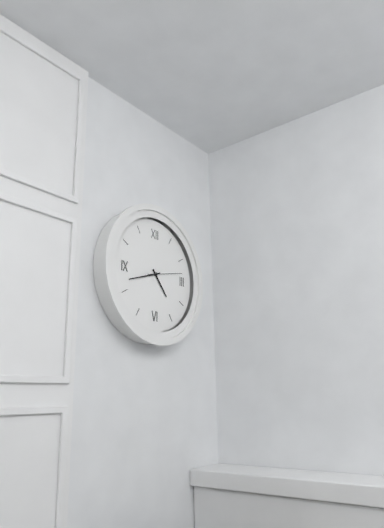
h=4 m=42
